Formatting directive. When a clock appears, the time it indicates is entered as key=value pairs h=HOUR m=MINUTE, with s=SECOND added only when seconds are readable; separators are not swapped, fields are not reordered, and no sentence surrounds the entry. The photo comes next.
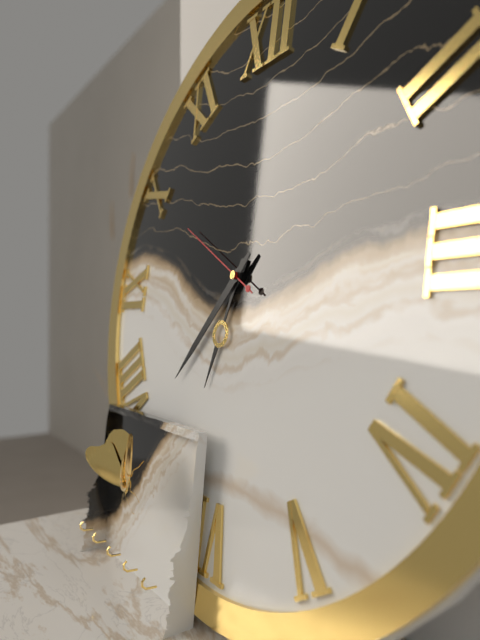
h=6 m=37 s=50
